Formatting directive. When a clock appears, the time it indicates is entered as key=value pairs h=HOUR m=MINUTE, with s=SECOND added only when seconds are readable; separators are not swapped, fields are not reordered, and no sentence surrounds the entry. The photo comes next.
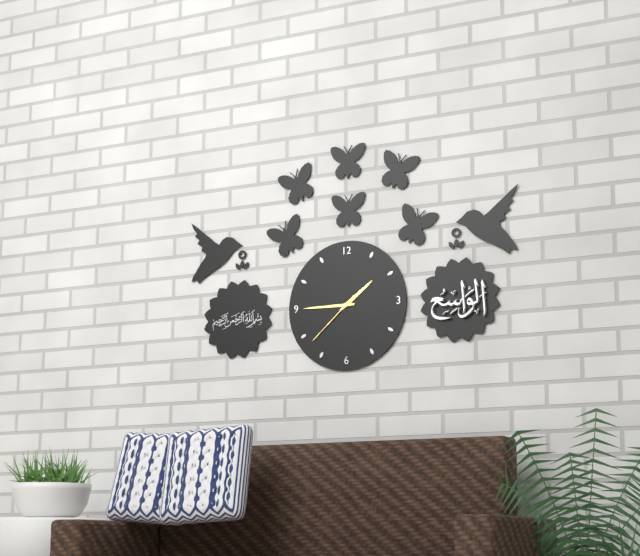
h=1 m=45 s=38
